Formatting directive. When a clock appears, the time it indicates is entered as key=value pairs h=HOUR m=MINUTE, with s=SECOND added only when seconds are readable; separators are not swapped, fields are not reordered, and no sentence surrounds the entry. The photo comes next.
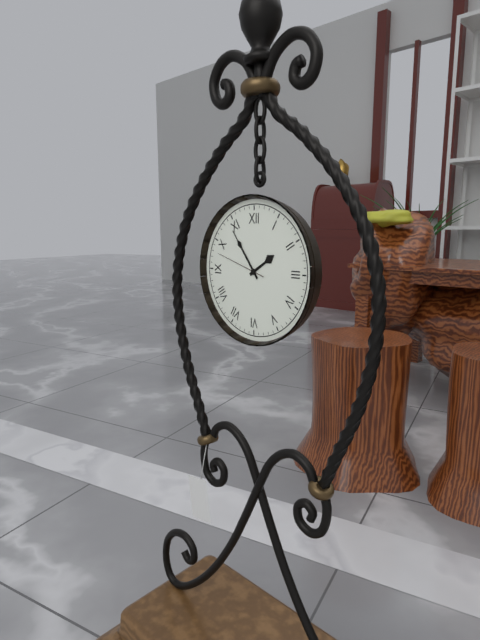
h=1 m=54
